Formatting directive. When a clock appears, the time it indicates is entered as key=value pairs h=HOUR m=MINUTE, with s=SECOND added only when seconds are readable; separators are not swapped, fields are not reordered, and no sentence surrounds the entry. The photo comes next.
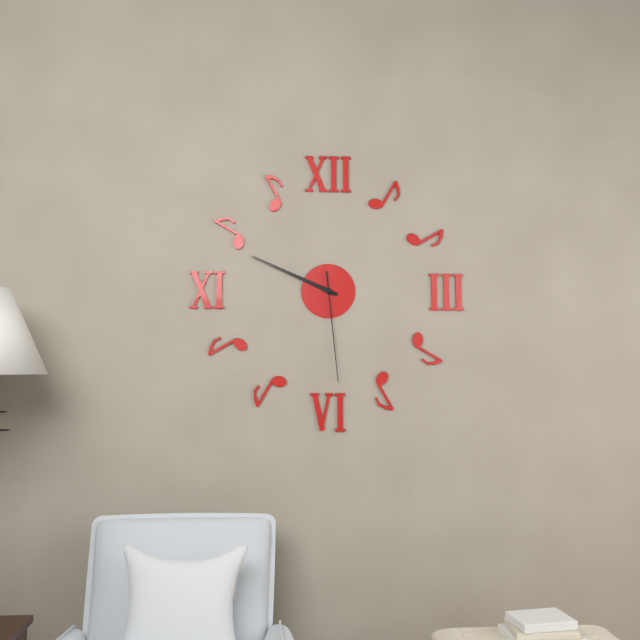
h=9 m=49 s=29
